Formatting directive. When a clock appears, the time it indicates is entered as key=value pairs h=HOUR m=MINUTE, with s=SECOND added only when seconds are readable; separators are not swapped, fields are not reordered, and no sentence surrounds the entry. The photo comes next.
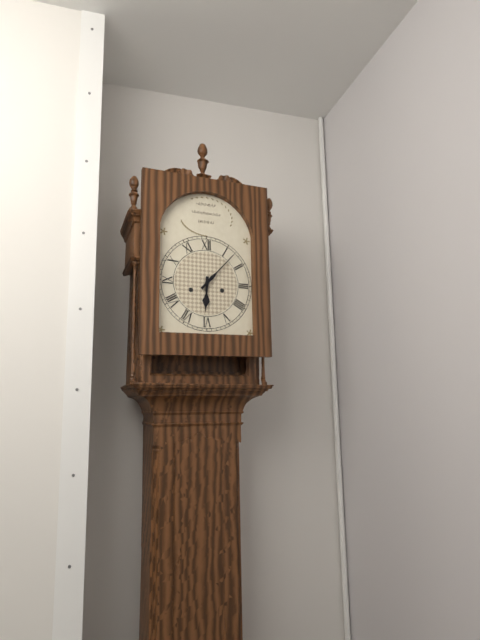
h=6 m=7
